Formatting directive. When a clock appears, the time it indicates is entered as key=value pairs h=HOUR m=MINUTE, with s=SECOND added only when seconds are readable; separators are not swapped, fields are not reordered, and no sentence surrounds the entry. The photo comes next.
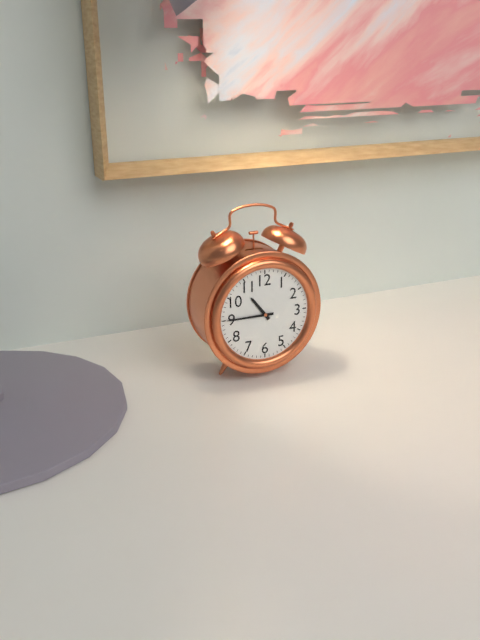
h=10 m=45
